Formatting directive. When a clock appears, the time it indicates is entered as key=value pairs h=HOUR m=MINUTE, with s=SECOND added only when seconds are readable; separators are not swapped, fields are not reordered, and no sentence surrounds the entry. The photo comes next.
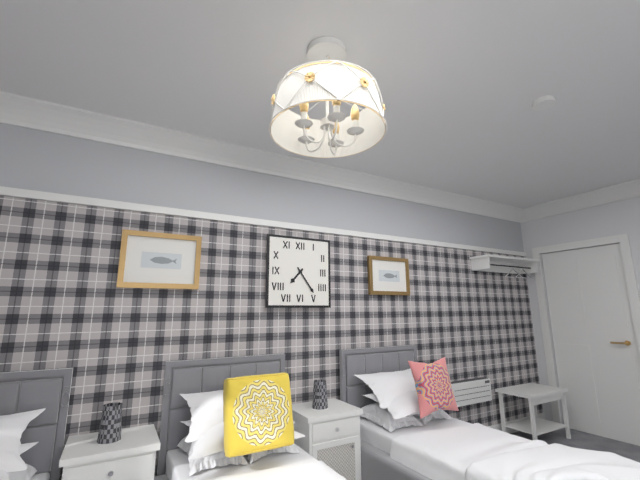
h=7 m=24
